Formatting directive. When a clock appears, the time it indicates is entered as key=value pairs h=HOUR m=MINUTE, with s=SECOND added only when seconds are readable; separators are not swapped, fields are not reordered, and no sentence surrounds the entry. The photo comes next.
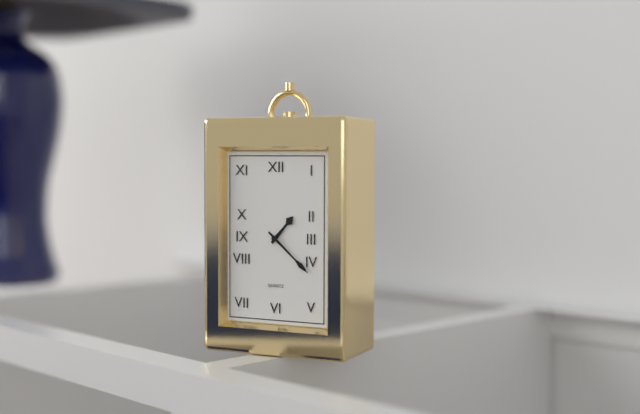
h=1 m=22
